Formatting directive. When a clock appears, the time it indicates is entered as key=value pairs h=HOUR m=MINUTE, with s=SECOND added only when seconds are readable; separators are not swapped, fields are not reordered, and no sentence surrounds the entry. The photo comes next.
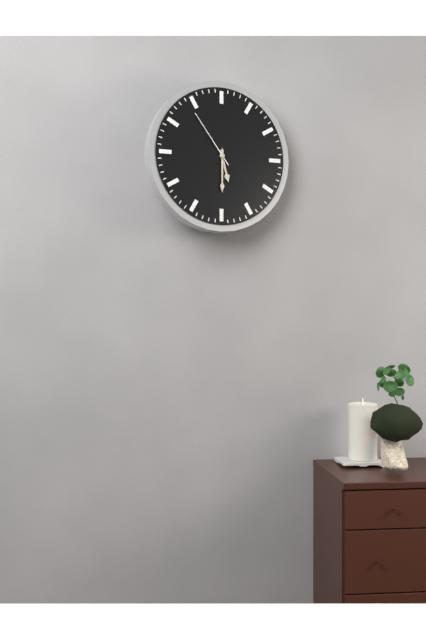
h=5 m=30 s=54
